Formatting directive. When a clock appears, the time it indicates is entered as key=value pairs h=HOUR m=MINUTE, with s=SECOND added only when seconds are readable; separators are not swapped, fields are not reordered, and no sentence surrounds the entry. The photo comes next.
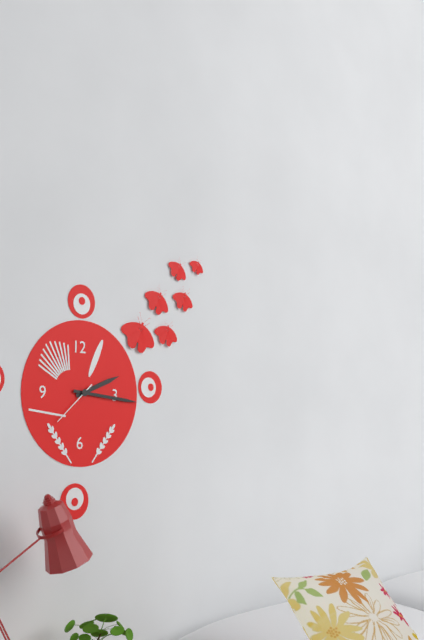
h=2 m=16
